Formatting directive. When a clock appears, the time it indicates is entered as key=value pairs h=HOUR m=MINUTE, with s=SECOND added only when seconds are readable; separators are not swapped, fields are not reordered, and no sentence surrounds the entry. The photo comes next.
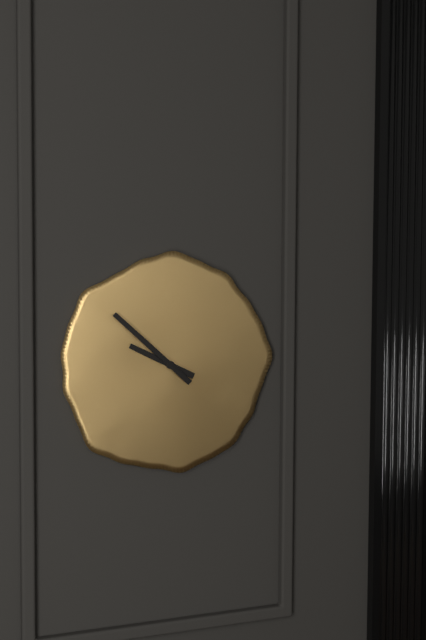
h=9 m=52
